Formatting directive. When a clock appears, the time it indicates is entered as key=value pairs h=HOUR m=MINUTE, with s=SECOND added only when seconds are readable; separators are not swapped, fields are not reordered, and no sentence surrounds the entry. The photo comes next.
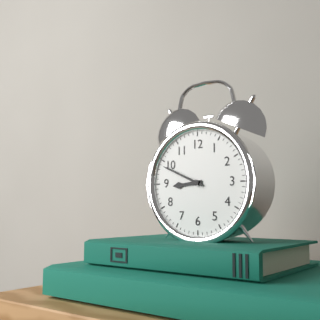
h=8 m=49
